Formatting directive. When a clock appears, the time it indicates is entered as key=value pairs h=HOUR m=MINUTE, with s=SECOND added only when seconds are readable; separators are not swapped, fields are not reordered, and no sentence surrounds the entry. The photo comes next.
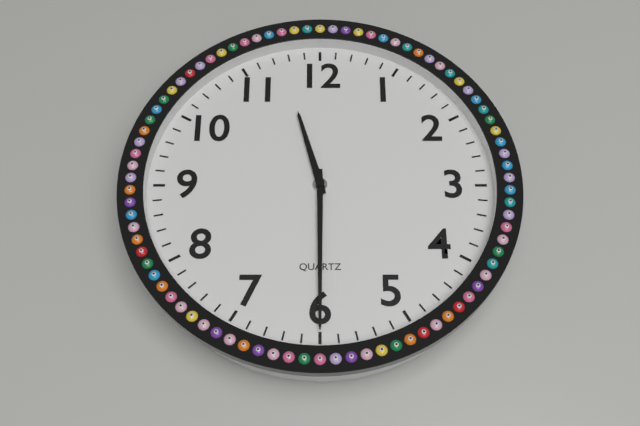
h=11 m=30
